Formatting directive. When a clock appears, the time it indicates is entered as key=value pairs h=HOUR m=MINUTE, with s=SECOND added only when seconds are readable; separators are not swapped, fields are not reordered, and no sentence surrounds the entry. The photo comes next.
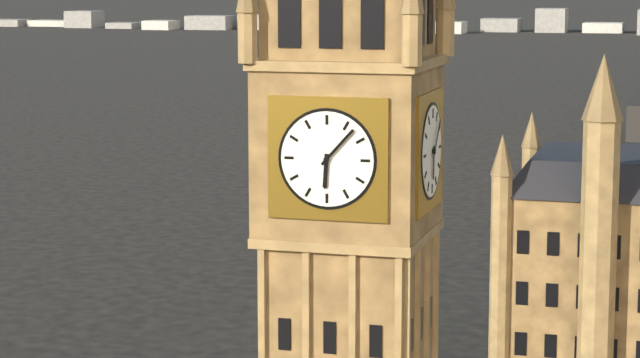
h=6 m=7
